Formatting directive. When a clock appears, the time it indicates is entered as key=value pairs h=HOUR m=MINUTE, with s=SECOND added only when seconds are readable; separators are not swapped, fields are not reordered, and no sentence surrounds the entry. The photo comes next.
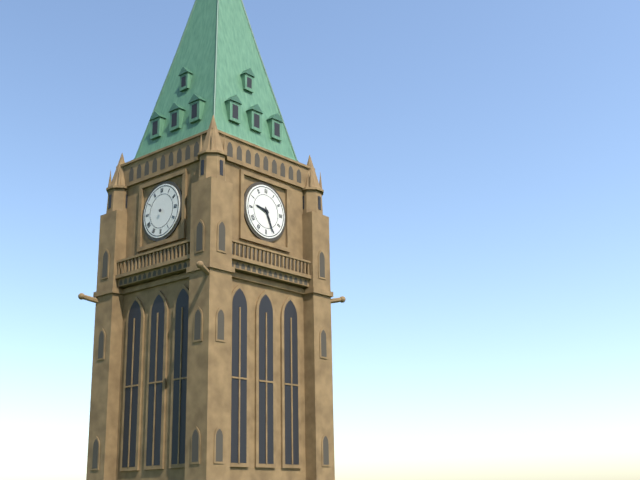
h=9 m=26
